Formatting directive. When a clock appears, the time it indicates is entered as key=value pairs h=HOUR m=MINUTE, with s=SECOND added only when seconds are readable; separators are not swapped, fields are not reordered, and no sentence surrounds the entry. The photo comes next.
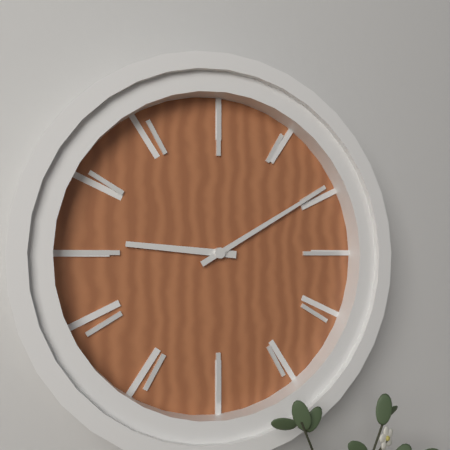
h=9 m=10
